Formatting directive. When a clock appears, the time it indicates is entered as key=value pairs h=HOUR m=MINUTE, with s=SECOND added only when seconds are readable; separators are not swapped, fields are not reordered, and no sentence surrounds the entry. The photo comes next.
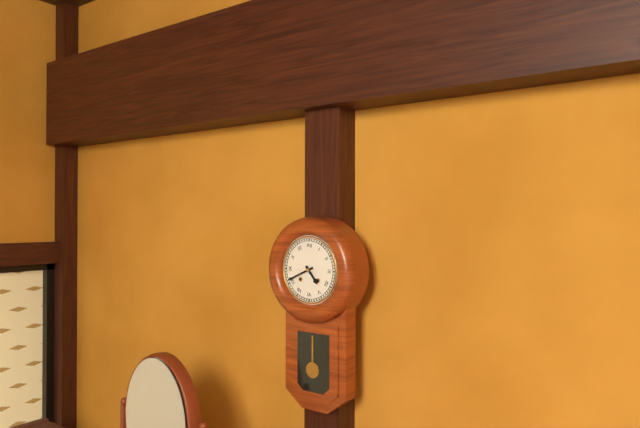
h=4 m=41
